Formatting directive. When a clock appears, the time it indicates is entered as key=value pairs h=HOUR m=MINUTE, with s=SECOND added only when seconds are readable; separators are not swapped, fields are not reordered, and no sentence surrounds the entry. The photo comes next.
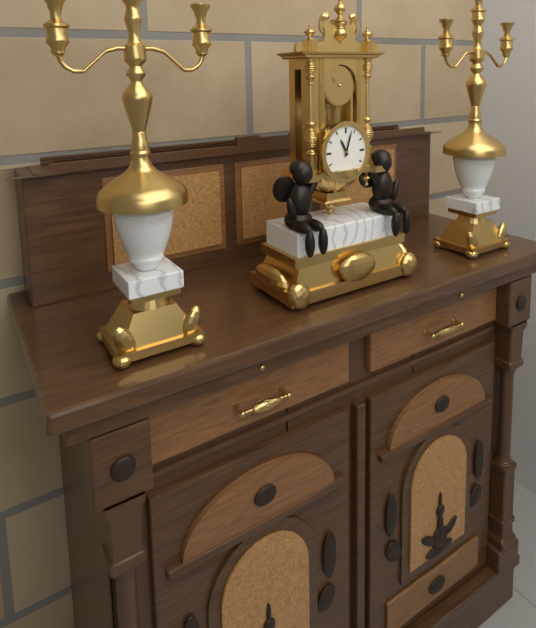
h=11 m=3
